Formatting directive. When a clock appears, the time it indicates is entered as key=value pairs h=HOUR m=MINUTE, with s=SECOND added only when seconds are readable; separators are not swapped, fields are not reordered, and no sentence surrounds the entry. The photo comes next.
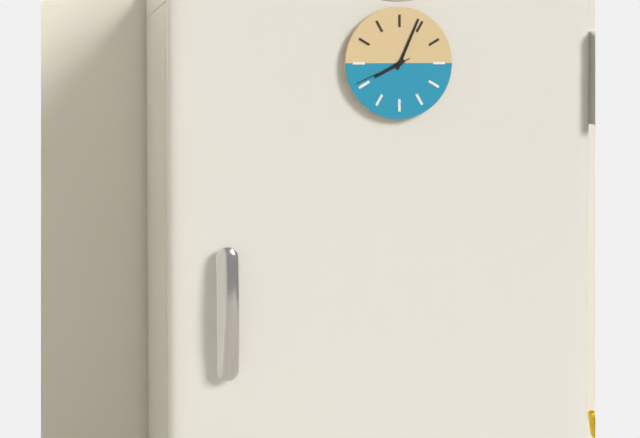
h=8 m=4 s=41
